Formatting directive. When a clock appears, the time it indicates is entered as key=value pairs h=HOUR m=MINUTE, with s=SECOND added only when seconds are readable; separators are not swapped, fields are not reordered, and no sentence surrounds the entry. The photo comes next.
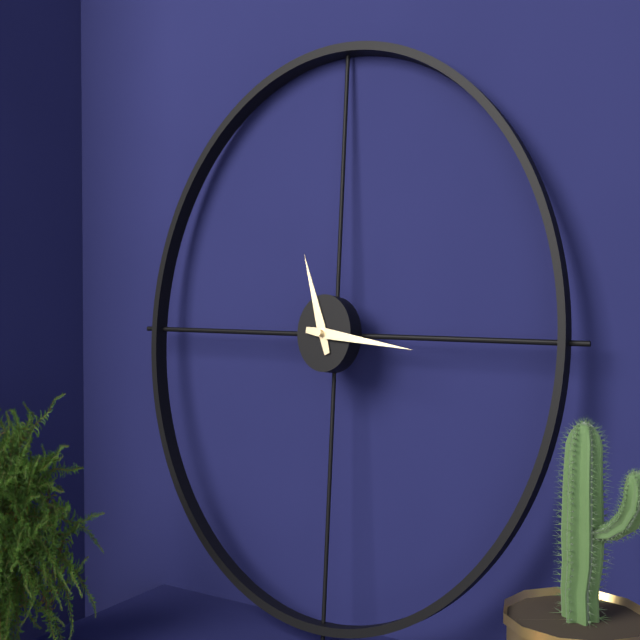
h=11 m=16
